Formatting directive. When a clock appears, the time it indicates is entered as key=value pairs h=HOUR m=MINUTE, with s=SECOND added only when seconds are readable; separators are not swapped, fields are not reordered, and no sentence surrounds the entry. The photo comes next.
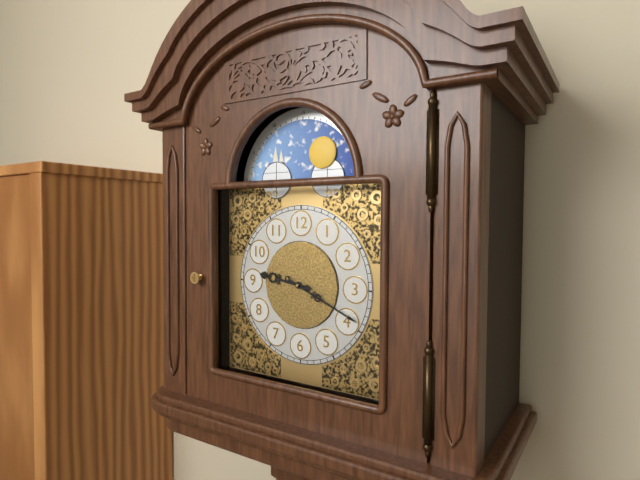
h=9 m=19
